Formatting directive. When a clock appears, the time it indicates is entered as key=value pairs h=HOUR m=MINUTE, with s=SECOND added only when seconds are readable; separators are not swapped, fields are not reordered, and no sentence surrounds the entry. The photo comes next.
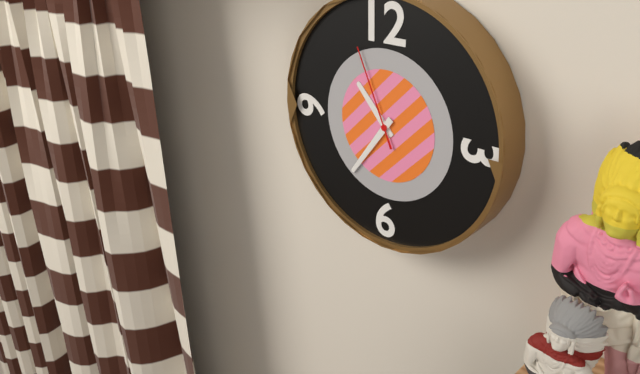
h=10 m=36 s=56
